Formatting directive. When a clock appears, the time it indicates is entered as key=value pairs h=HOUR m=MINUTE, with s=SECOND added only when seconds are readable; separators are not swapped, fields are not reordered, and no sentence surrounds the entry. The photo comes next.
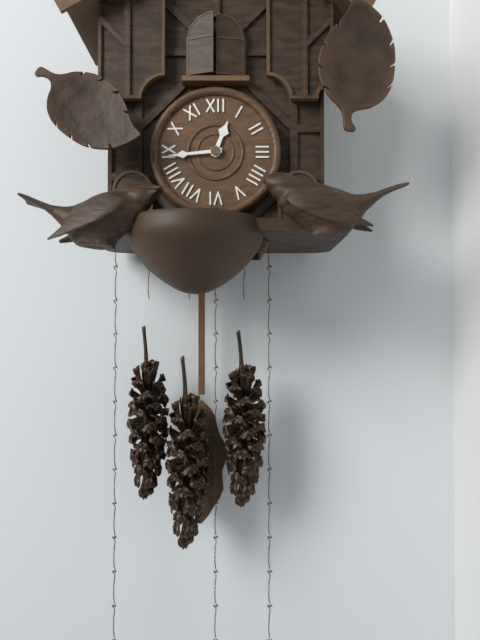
h=12 m=44
